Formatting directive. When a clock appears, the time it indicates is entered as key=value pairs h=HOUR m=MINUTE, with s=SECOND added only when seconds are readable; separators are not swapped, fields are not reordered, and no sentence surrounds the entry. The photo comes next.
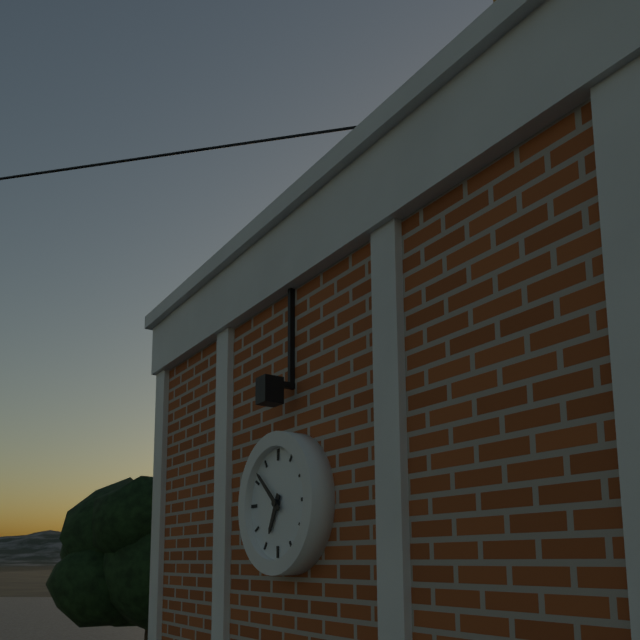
h=6 m=52
